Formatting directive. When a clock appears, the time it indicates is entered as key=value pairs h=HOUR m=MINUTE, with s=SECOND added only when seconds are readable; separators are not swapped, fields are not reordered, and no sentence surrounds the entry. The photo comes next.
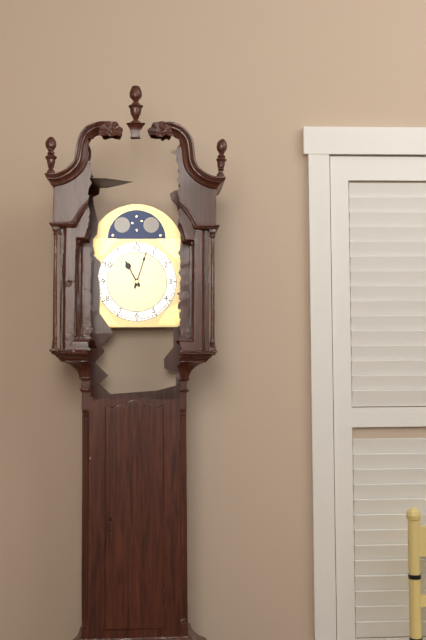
h=11 m=3
